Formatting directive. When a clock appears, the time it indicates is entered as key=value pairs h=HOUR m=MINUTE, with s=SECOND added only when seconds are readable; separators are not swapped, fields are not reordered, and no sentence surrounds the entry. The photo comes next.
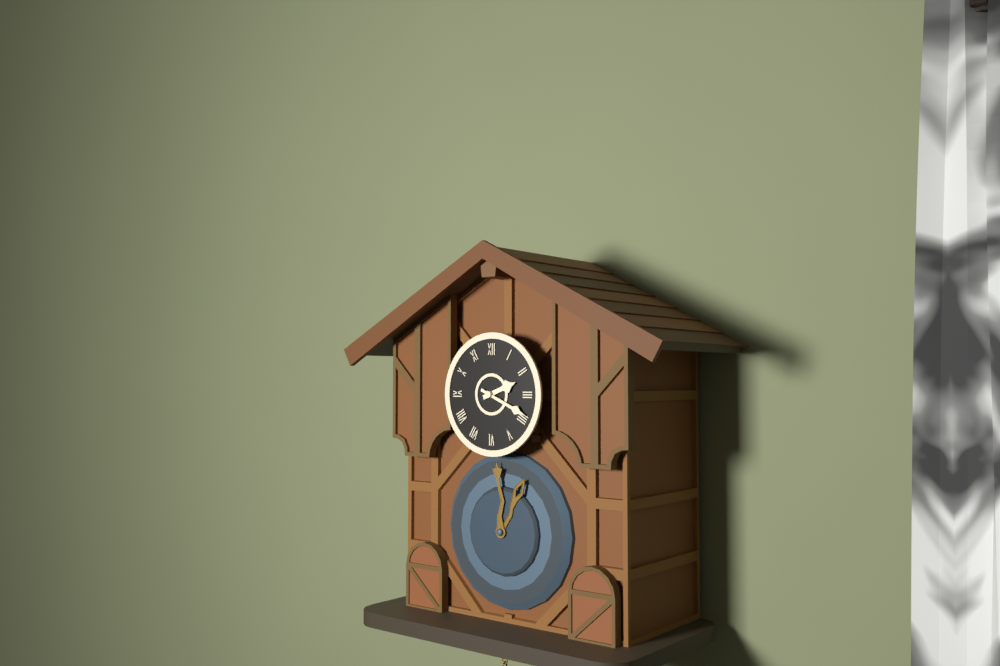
h=2 m=19
